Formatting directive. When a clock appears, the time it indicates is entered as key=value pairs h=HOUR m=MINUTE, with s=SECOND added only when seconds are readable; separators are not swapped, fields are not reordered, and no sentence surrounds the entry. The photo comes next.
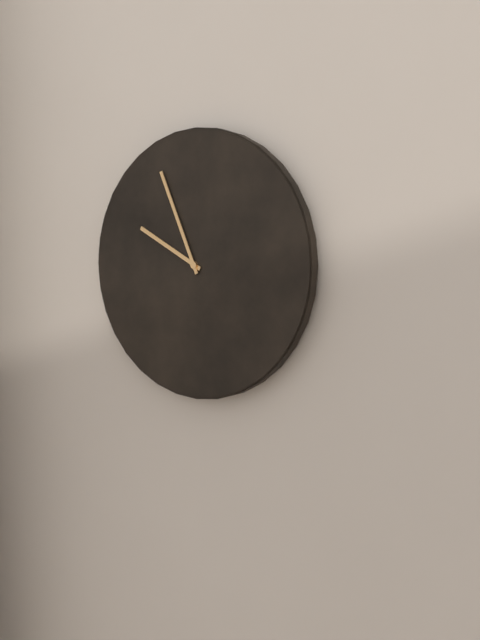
h=9 m=56
